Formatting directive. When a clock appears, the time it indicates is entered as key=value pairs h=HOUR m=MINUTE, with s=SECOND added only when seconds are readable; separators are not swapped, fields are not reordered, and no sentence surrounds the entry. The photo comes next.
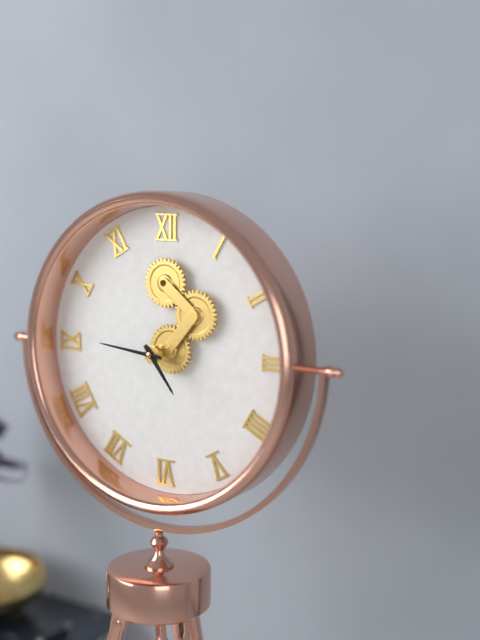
h=4 m=46
